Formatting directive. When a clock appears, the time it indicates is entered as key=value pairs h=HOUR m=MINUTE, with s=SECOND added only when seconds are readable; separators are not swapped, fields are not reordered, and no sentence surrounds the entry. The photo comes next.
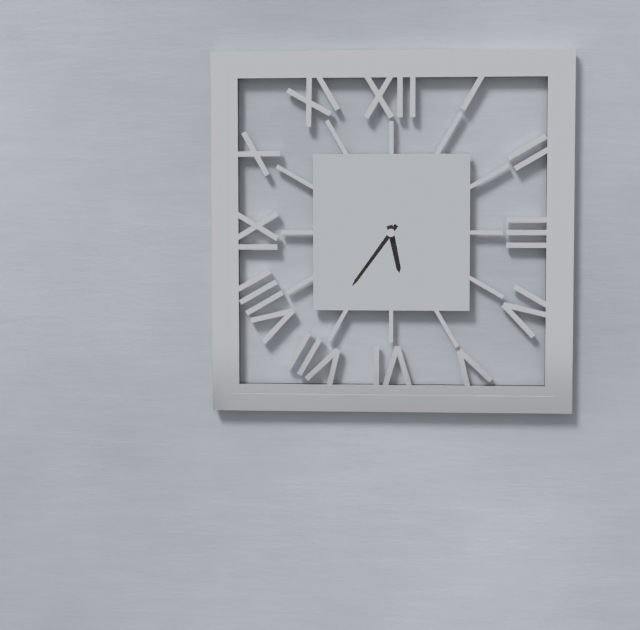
h=5 m=36
